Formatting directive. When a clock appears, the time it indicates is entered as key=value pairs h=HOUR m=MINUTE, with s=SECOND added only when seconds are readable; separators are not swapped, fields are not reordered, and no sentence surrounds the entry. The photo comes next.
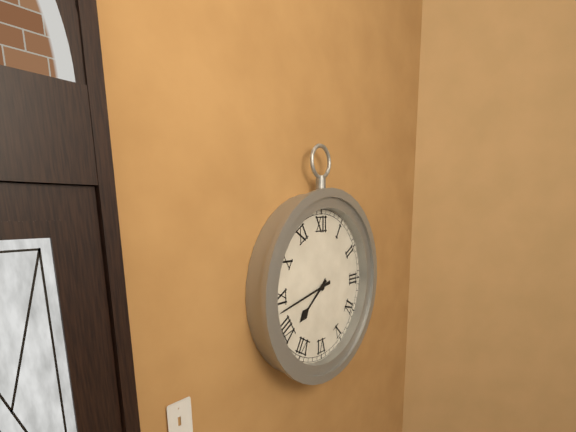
h=7 m=43
